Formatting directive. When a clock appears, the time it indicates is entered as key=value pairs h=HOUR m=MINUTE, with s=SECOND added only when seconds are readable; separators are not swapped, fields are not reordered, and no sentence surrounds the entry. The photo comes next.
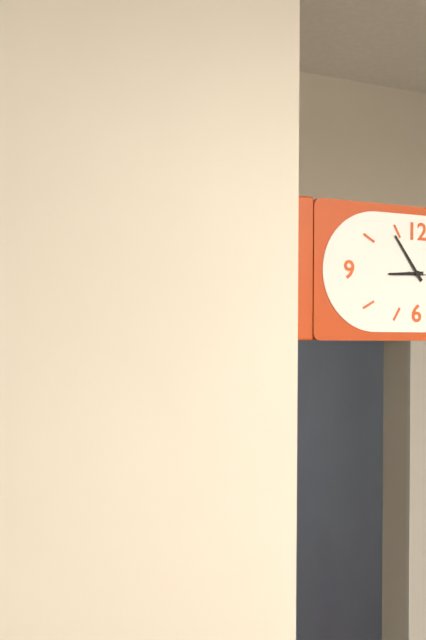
h=8 m=54
